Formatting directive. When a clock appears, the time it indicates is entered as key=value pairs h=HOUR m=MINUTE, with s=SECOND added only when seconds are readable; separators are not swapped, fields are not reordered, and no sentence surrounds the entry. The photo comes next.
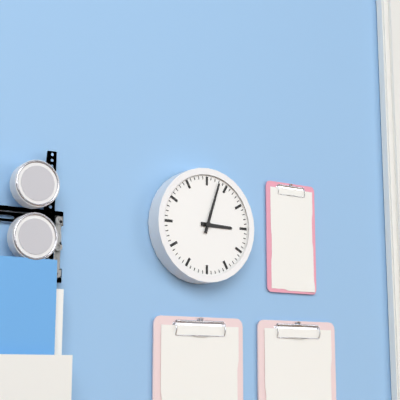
h=3 m=3
